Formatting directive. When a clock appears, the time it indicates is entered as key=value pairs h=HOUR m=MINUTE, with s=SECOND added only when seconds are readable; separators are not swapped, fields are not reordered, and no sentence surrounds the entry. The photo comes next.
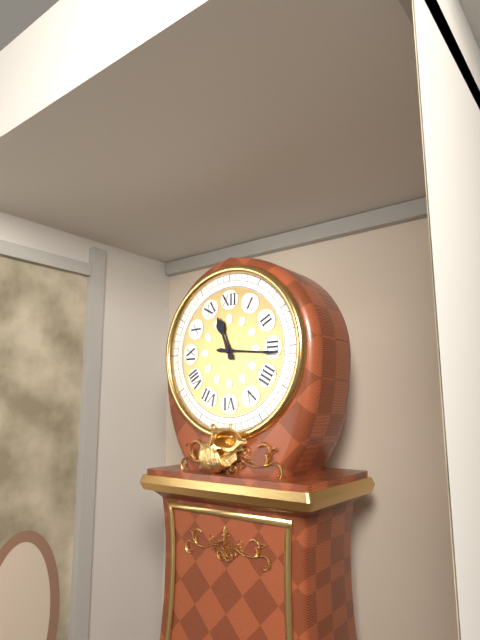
h=11 m=16
